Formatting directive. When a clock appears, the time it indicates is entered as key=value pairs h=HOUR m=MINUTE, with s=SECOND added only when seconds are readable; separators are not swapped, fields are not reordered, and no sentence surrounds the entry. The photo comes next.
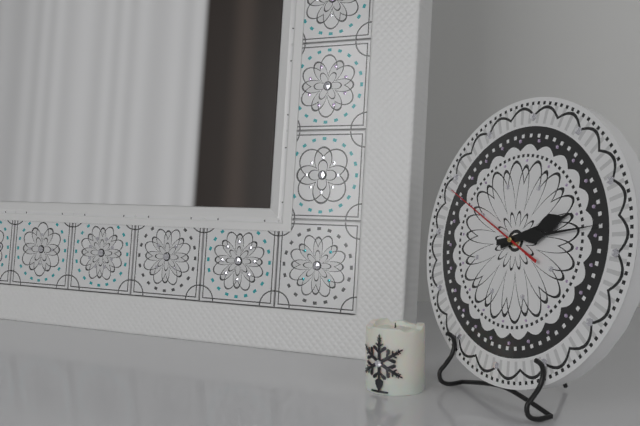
h=2 m=13 s=49
